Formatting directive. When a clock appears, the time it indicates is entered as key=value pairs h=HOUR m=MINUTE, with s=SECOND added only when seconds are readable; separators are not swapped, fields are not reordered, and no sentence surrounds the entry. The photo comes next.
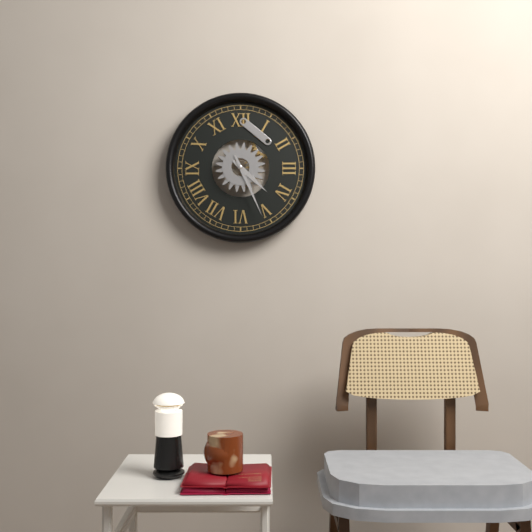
h=4 m=26
